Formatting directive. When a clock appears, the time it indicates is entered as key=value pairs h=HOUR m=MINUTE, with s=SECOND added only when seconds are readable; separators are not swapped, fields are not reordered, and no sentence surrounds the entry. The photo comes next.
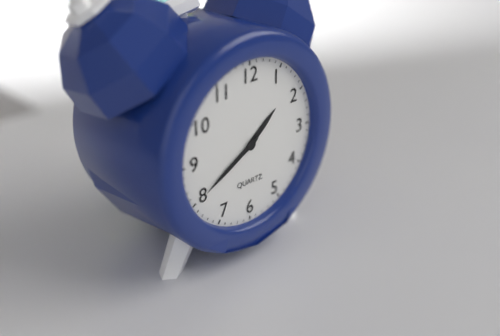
h=1 m=40
